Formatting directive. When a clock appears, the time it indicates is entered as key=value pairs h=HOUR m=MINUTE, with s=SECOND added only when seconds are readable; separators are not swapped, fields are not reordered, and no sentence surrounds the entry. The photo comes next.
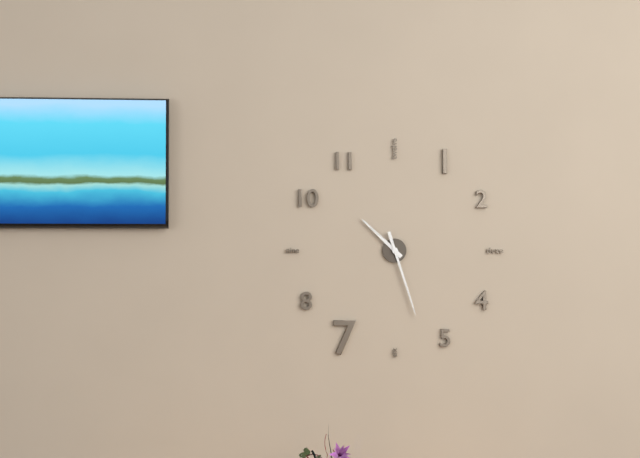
h=10 m=27
